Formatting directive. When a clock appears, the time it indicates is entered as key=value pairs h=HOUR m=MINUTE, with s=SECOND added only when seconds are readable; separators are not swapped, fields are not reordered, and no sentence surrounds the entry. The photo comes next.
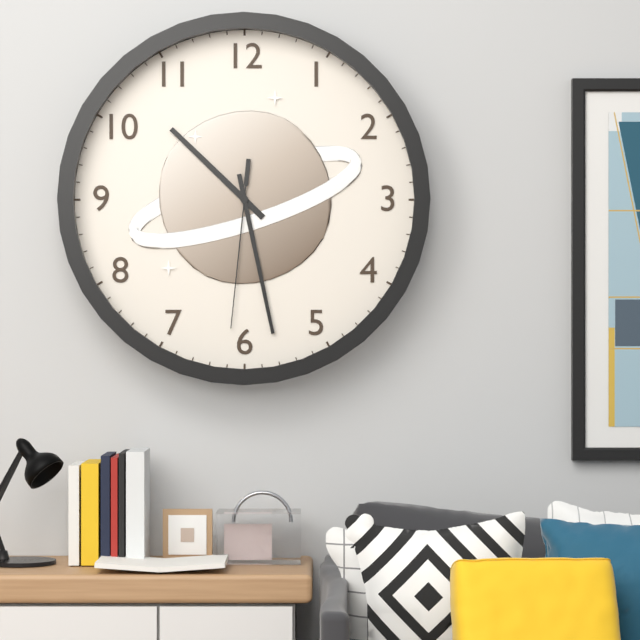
h=10 m=28 s=31
